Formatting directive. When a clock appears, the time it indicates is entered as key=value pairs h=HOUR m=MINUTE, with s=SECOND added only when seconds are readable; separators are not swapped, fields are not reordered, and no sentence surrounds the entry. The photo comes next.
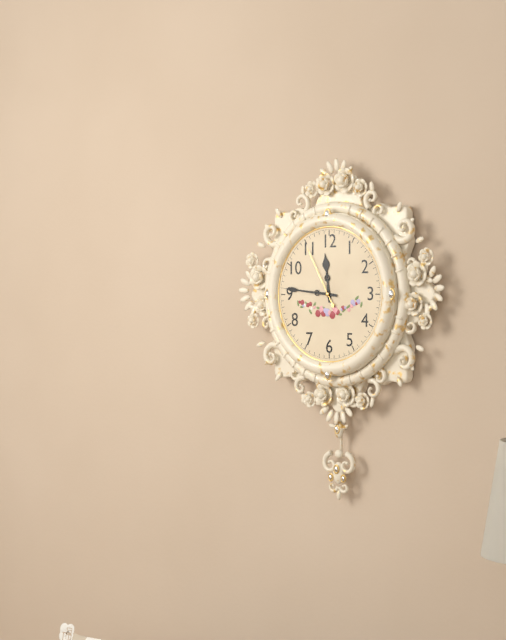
h=11 m=46 s=55
